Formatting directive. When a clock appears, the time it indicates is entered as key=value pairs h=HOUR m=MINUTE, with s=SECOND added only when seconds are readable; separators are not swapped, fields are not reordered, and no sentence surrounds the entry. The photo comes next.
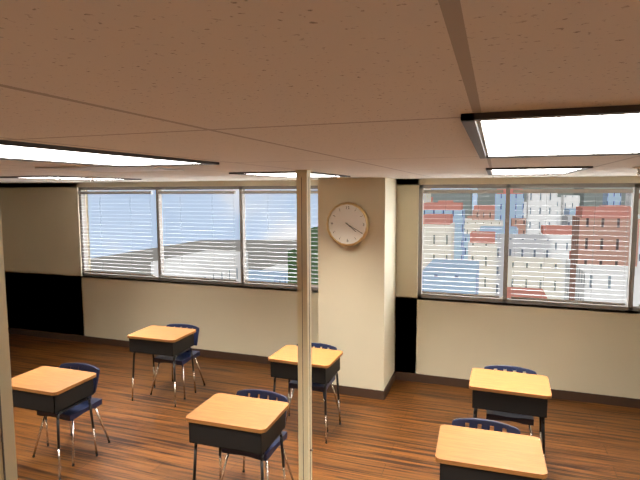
h=4 m=20
